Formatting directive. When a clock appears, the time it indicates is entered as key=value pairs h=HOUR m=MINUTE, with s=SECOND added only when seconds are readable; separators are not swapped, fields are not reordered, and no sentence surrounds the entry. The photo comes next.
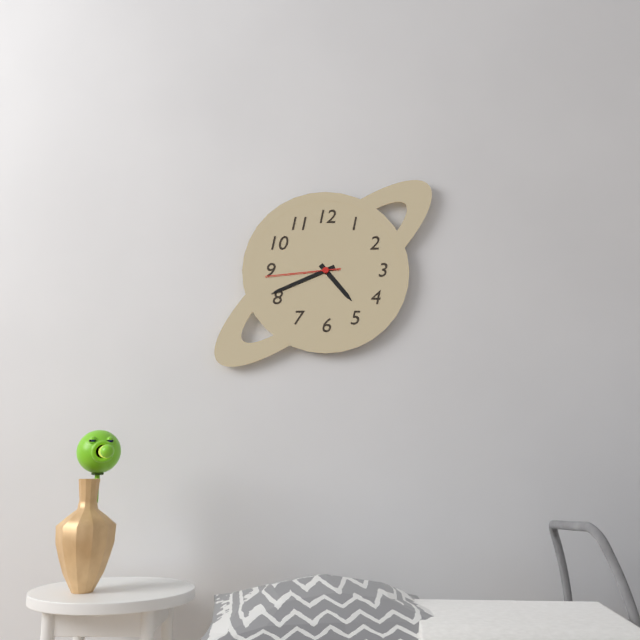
h=4 m=41 s=44
